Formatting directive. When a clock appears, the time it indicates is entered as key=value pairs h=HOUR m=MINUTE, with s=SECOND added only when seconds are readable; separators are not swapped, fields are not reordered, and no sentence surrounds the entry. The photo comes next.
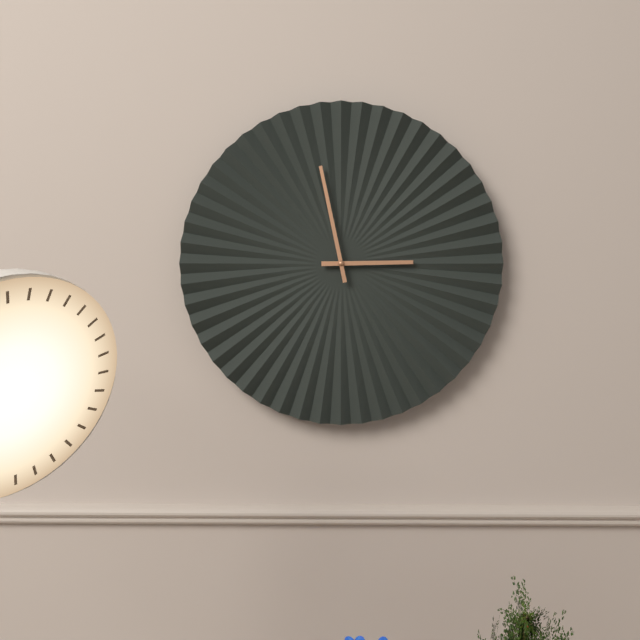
h=2 m=58
